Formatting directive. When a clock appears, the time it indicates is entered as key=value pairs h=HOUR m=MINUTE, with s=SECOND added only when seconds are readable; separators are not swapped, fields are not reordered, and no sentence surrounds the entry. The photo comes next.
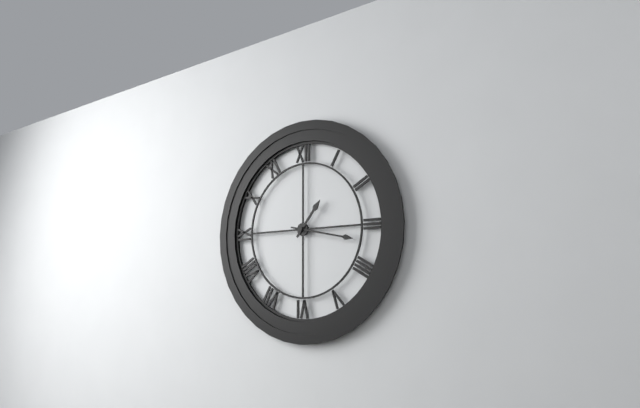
h=1 m=17
